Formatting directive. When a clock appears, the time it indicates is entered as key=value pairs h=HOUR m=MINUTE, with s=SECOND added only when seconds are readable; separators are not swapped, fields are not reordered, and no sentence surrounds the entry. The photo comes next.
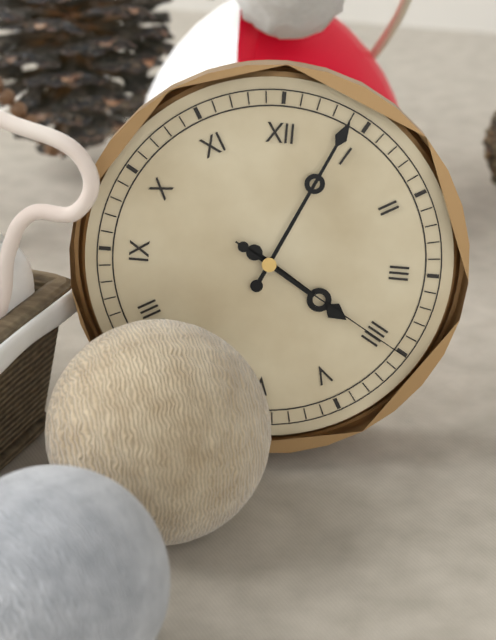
h=4 m=4 s=20
